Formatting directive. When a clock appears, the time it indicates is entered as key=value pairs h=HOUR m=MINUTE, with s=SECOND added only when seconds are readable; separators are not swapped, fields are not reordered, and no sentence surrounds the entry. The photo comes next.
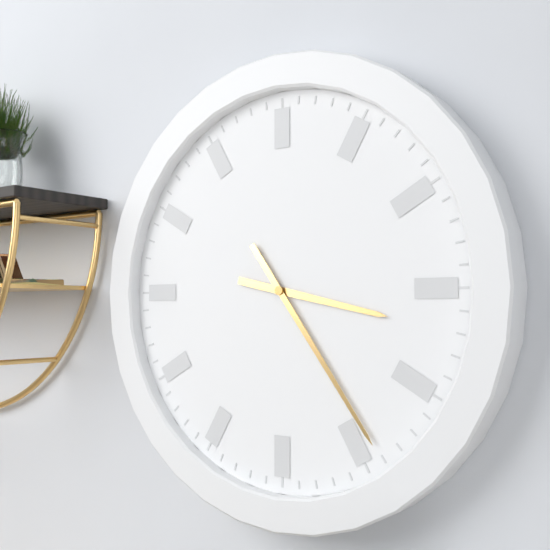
h=3 m=24
